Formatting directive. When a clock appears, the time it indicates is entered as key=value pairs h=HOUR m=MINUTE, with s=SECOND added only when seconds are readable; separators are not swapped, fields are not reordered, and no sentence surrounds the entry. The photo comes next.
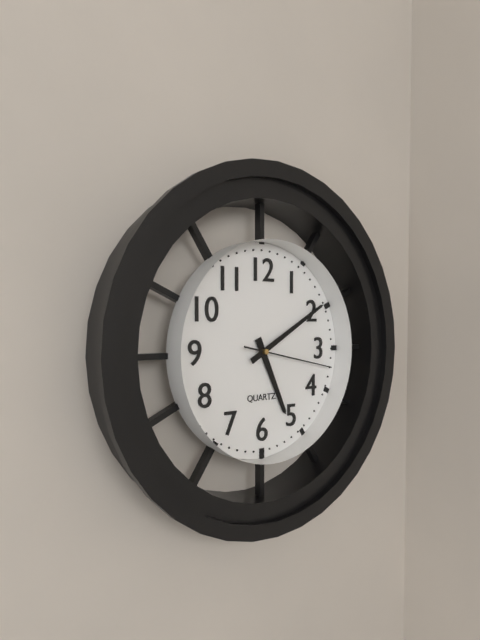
h=5 m=10 s=17
